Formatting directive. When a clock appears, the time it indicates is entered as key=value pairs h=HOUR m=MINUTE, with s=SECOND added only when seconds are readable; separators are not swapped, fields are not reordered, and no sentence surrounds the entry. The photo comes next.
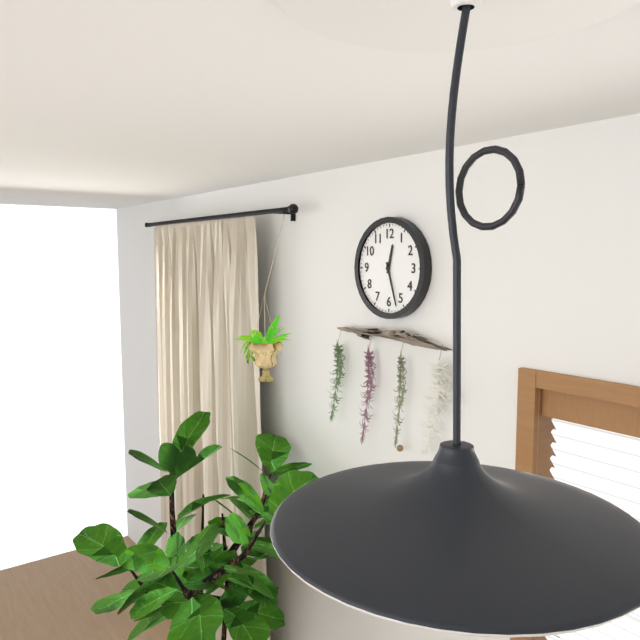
h=12 m=27
